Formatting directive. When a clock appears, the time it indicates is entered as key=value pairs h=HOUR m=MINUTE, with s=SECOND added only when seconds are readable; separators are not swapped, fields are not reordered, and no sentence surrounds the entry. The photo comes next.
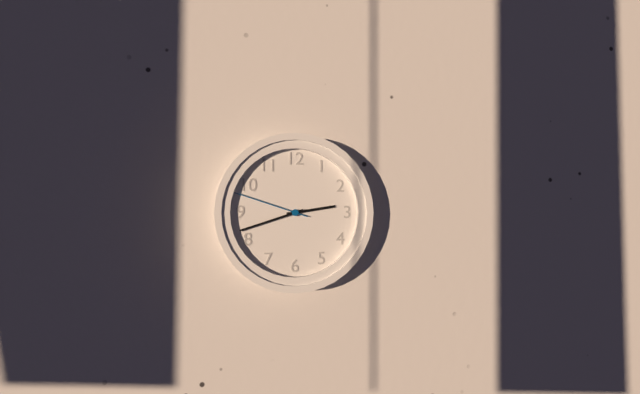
h=2 m=42 s=48
